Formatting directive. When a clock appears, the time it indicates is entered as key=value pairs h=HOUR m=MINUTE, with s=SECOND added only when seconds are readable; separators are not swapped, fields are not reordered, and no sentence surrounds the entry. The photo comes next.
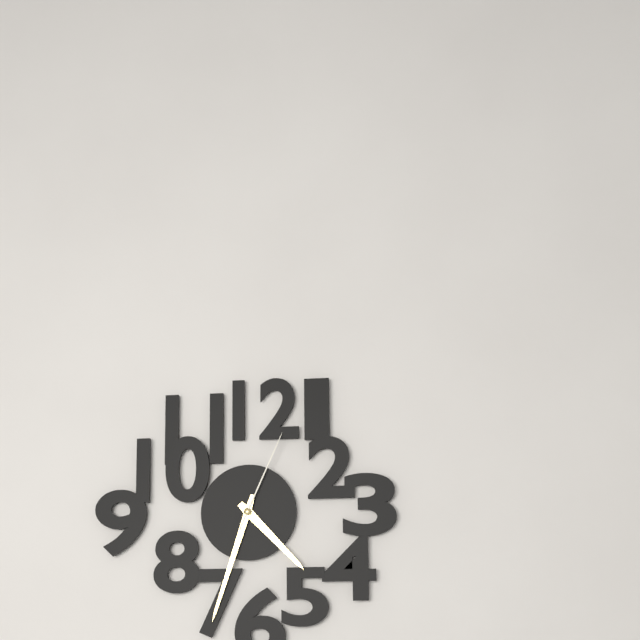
h=4 m=33 s=4
